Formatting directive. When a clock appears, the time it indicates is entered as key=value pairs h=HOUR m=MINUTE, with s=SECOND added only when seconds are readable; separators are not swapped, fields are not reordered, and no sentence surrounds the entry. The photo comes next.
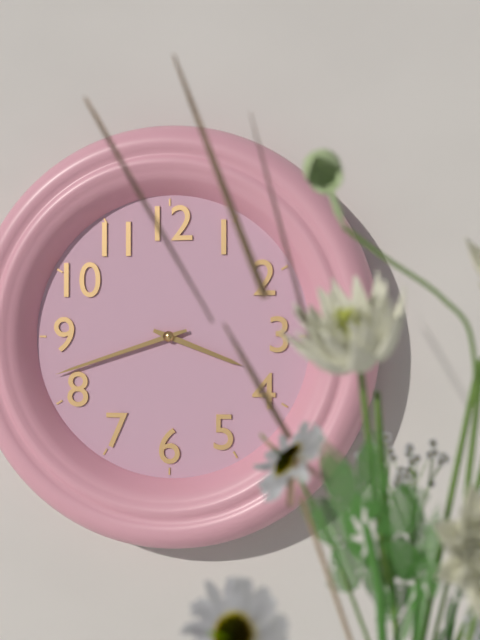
h=3 m=42
